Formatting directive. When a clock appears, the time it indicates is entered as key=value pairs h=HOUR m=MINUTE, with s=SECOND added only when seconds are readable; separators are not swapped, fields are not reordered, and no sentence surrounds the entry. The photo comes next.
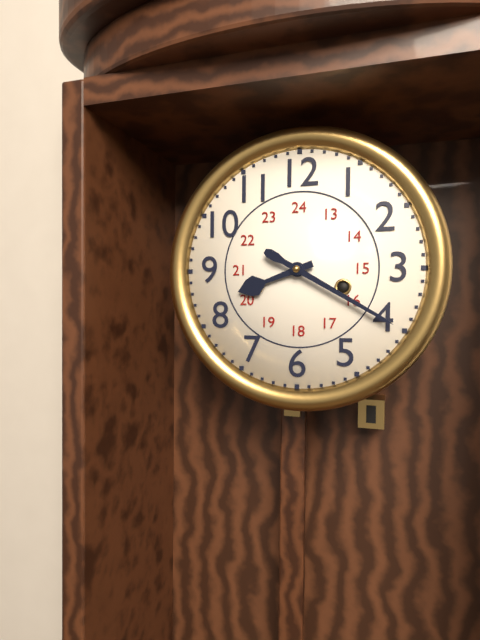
h=8 m=20
